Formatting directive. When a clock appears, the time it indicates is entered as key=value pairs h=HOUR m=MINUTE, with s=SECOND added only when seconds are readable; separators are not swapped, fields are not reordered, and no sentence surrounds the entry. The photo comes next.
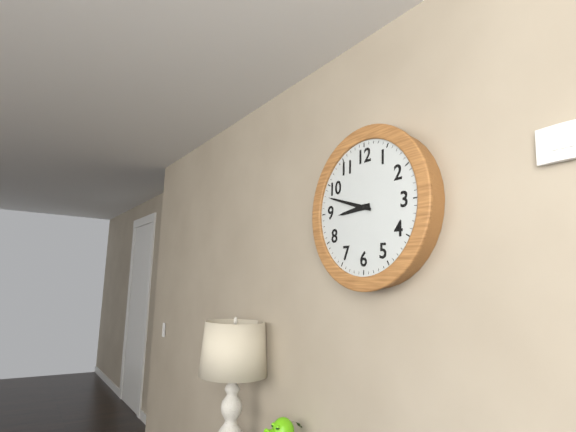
h=8 m=48
